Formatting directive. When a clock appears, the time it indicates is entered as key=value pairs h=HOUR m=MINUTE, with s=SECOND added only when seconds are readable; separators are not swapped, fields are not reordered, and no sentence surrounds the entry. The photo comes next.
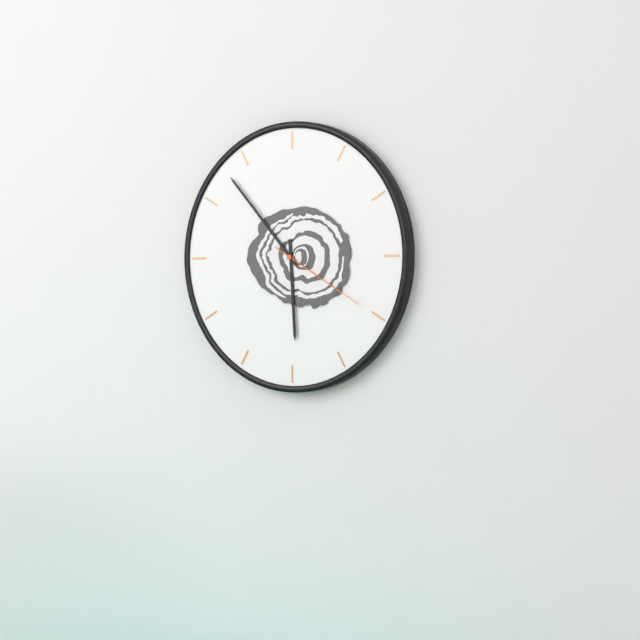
h=5 m=53 s=20
